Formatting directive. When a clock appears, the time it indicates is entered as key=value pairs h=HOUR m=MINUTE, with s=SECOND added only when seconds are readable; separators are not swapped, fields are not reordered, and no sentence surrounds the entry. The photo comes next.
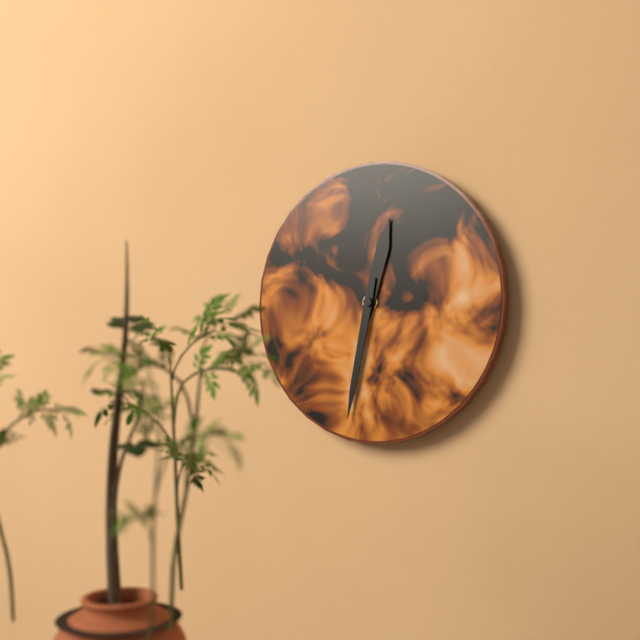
h=12 m=32
